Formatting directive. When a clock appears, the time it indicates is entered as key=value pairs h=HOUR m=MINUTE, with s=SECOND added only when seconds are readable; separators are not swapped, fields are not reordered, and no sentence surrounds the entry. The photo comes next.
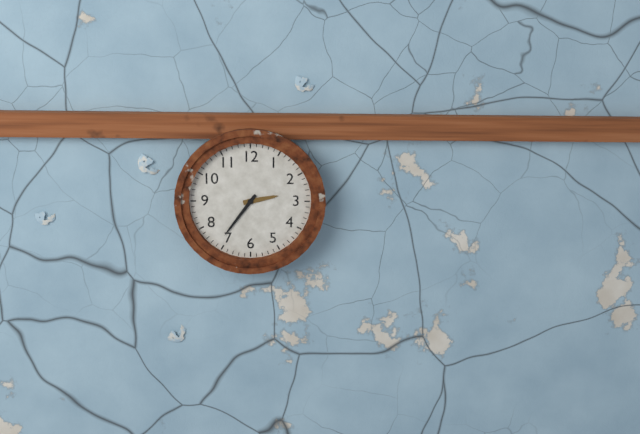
h=2 m=36
